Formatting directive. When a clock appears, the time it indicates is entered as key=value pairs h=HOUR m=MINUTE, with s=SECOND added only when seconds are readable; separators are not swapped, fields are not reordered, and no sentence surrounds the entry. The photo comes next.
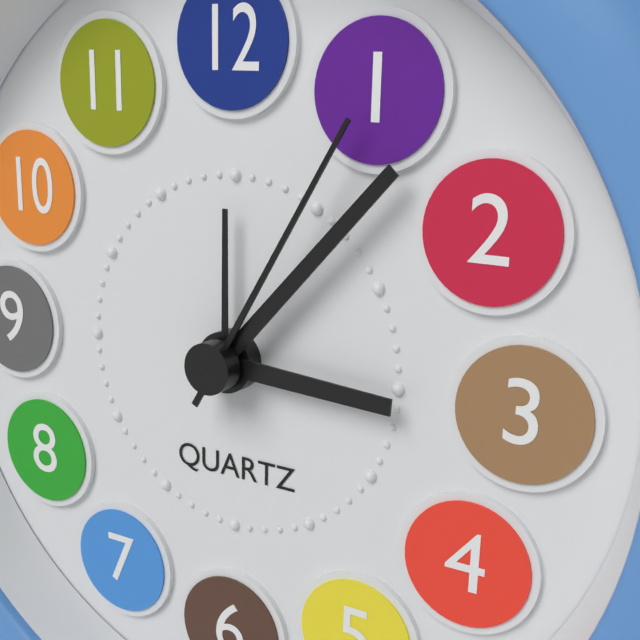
h=3 m=7 s=5
